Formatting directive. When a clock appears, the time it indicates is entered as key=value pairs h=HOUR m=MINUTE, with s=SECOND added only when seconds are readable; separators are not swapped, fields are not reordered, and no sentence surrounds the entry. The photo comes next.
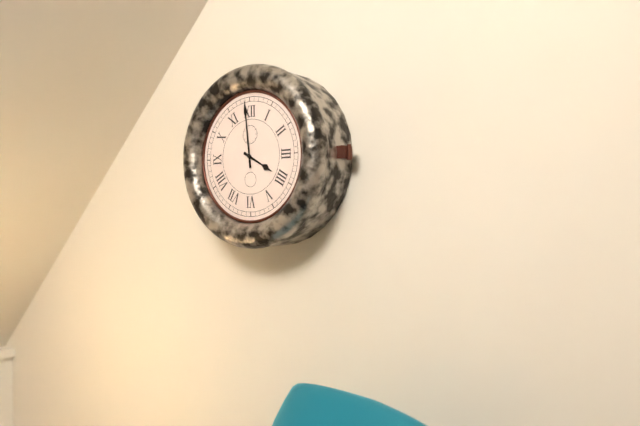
h=3 m=59
